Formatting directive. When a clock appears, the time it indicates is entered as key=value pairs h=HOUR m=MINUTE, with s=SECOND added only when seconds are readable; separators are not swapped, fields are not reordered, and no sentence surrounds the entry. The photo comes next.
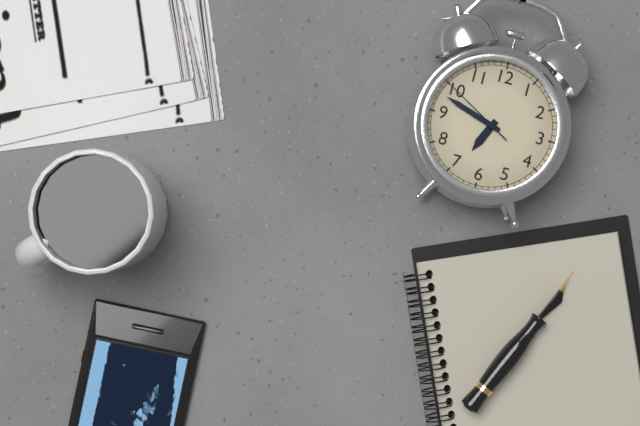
h=6 m=48 s=50
